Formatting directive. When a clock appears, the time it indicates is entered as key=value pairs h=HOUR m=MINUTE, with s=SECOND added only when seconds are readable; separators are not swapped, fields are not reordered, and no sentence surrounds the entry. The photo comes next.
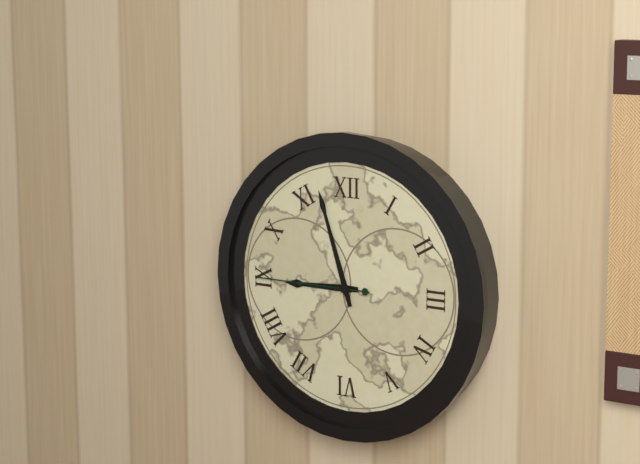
h=8 m=57 s=45
